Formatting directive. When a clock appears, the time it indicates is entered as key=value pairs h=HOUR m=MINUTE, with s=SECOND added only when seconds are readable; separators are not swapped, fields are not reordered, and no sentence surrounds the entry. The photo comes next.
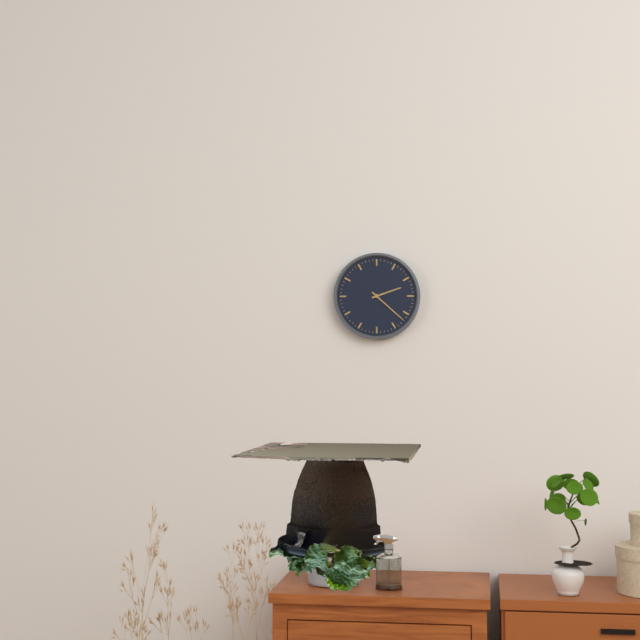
h=2 m=22
